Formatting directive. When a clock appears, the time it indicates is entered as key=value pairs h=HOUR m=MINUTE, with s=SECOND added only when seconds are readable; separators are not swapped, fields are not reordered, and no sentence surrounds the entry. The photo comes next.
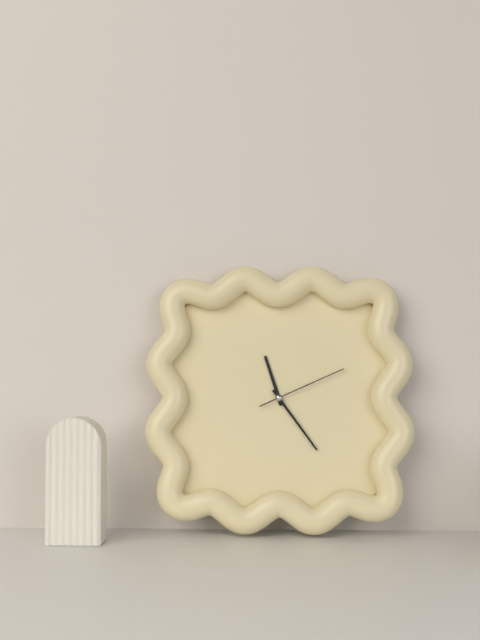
h=11 m=24 s=11
